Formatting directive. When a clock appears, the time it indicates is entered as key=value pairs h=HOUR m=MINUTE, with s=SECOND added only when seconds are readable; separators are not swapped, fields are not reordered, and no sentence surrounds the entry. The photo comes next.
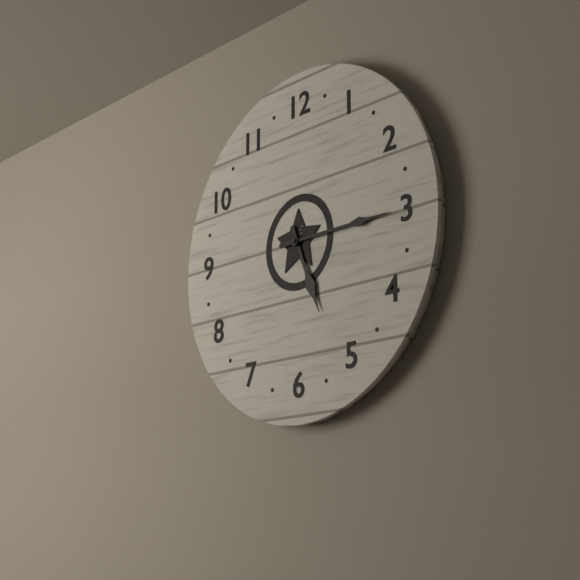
h=5 m=15
